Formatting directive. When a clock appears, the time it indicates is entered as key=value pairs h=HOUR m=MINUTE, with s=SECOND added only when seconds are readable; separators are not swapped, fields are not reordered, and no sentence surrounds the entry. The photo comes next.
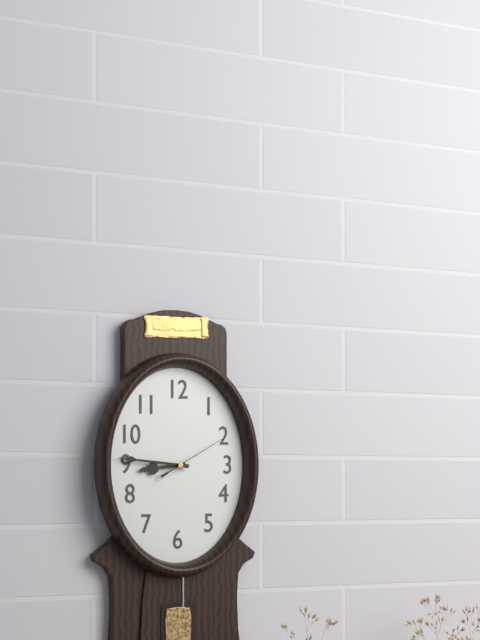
h=8 m=46 s=10
